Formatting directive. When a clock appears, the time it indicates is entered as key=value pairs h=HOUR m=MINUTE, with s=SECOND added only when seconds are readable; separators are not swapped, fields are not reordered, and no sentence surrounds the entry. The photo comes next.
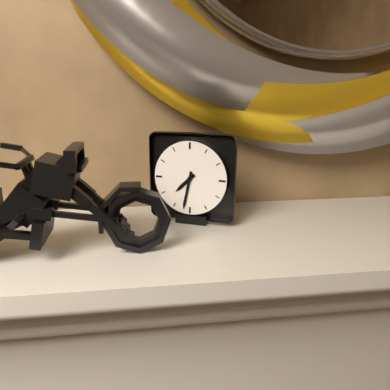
h=7 m=32
